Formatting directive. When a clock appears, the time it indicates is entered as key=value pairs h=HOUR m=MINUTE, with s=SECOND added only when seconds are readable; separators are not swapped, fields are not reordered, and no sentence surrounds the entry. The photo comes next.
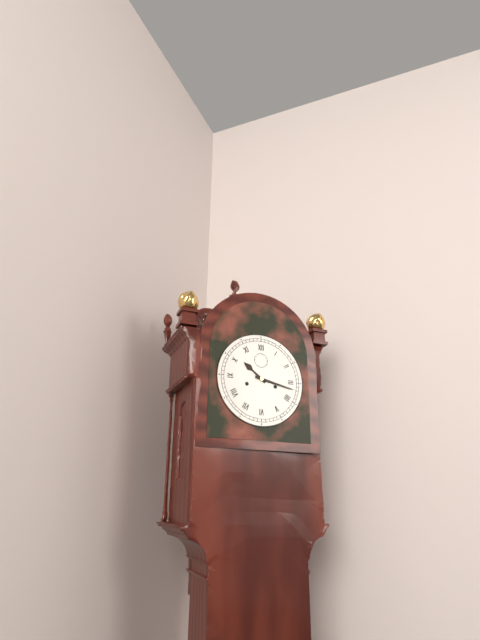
h=10 m=17
